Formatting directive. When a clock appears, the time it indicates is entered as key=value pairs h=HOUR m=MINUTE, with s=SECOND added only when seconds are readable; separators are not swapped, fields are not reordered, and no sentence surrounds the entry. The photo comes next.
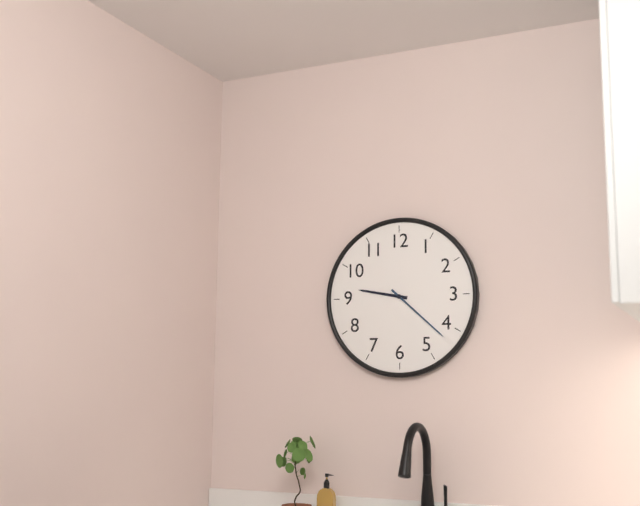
h=9 m=22
